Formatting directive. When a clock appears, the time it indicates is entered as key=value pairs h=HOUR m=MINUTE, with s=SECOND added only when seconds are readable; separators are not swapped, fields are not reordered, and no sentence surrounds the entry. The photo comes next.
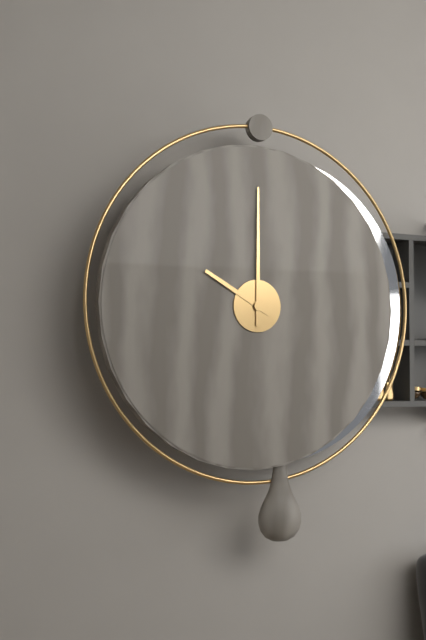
h=10 m=0
